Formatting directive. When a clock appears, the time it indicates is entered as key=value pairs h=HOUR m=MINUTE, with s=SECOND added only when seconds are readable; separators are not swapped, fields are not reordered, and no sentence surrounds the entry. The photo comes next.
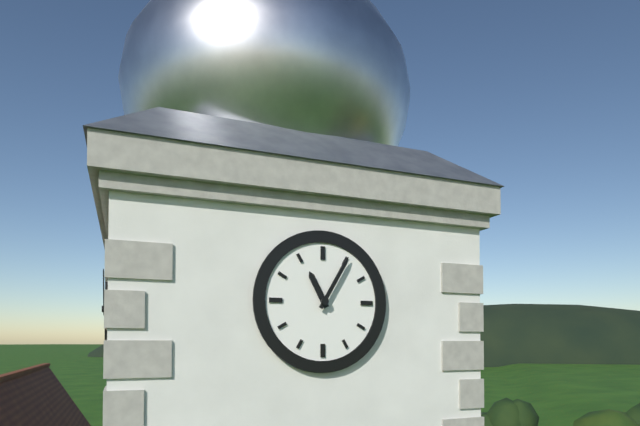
h=11 m=5
